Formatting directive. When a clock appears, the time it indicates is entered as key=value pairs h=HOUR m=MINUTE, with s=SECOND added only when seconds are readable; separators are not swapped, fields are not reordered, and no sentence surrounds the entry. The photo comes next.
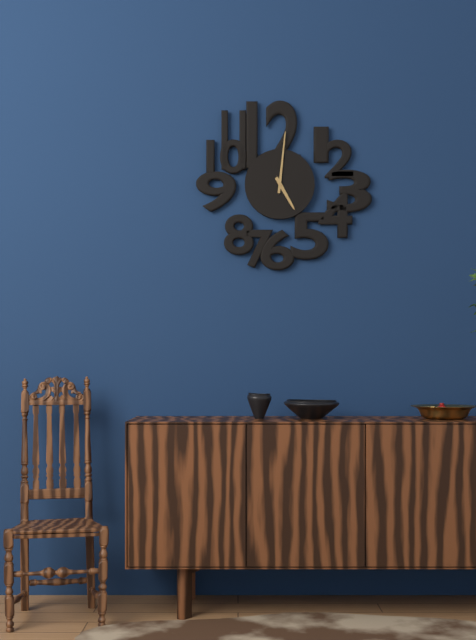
h=5 m=1
